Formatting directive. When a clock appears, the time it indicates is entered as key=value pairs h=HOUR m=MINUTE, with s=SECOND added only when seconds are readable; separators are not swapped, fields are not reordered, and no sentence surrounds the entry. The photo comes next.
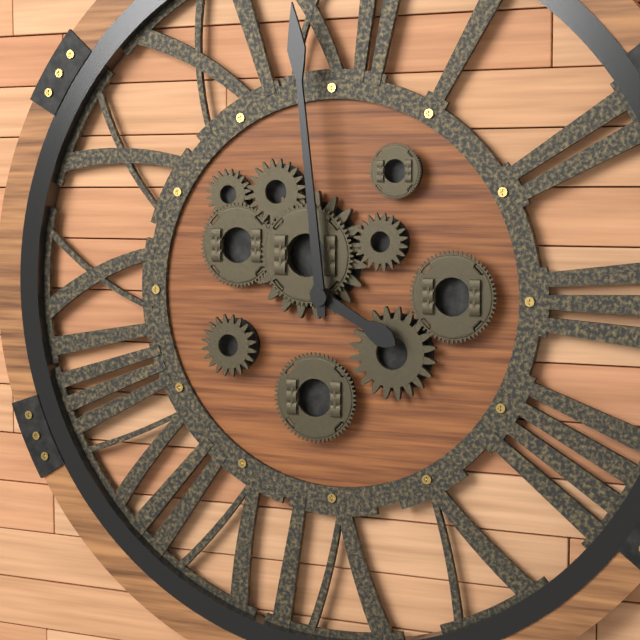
h=3 m=59
